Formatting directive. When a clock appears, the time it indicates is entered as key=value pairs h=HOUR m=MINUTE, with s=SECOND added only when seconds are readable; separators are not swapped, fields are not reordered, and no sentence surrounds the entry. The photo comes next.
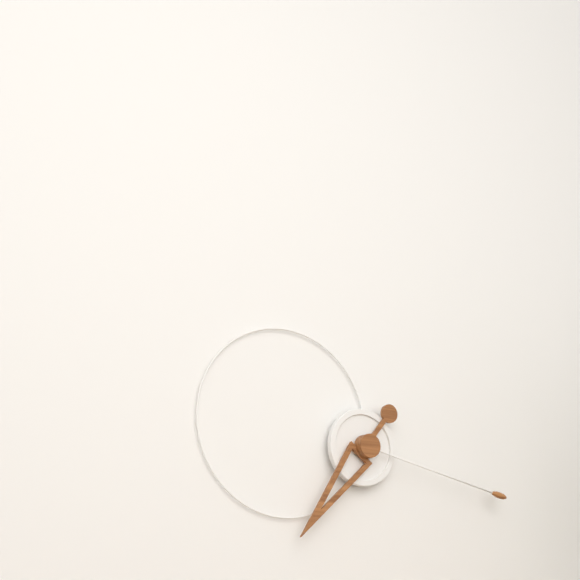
h=7 m=17
